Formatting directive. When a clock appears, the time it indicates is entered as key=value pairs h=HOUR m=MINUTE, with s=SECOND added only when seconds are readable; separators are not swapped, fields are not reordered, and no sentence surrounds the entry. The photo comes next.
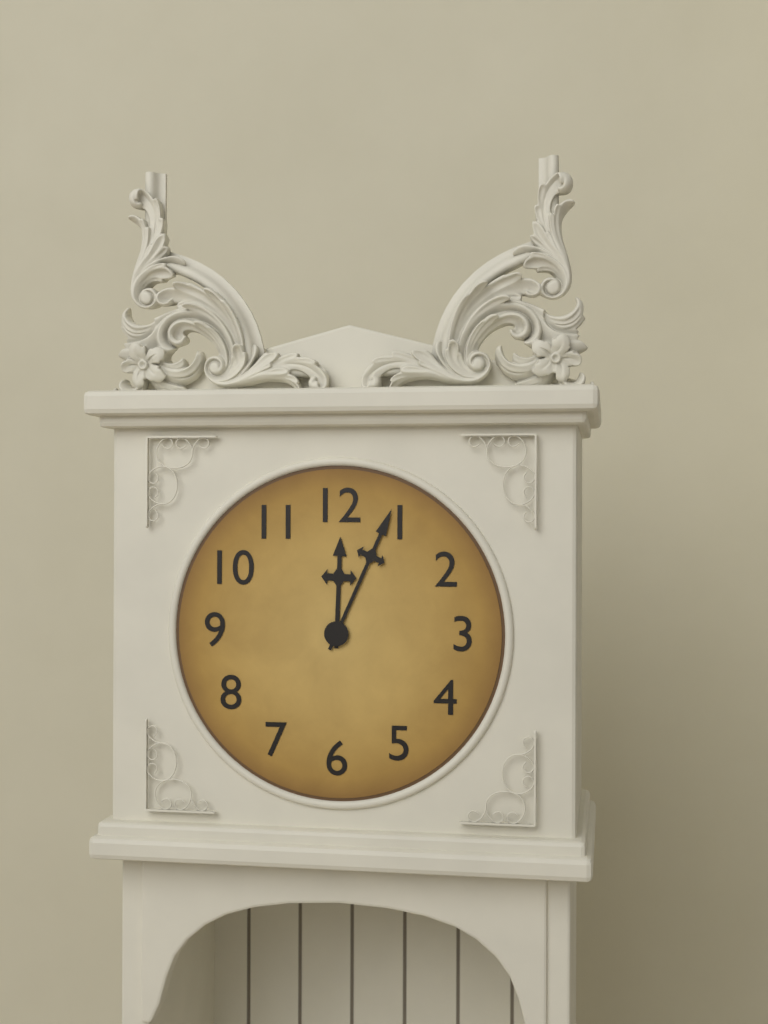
h=12 m=4
